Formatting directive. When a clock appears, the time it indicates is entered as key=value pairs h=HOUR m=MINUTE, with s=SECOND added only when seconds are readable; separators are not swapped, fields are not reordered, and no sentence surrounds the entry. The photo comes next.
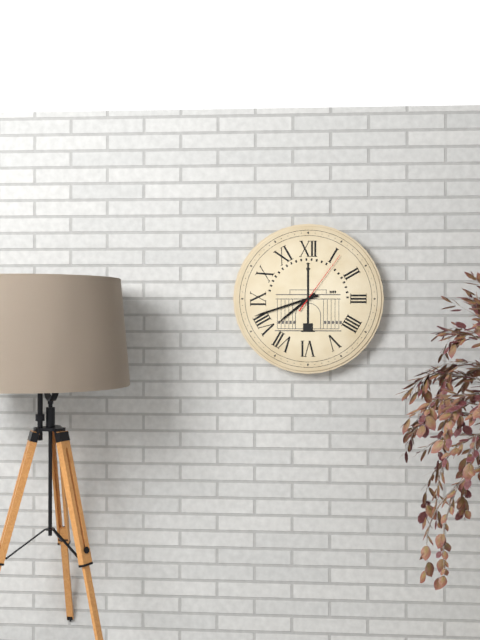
h=7 m=42 s=6
